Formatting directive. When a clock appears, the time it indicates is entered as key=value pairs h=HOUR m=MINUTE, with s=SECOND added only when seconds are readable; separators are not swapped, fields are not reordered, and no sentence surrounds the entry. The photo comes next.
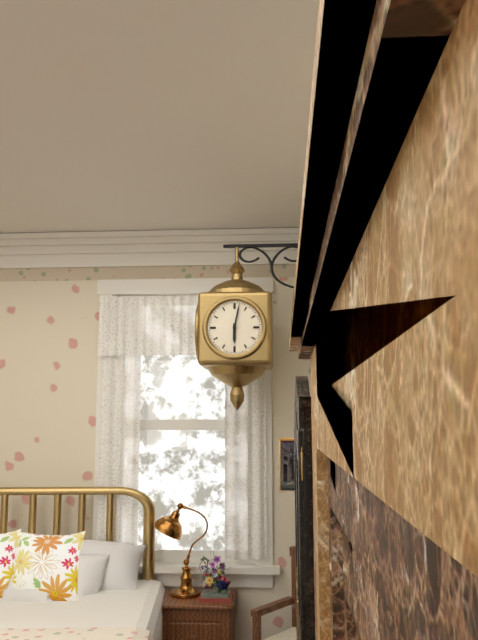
h=6 m=2
